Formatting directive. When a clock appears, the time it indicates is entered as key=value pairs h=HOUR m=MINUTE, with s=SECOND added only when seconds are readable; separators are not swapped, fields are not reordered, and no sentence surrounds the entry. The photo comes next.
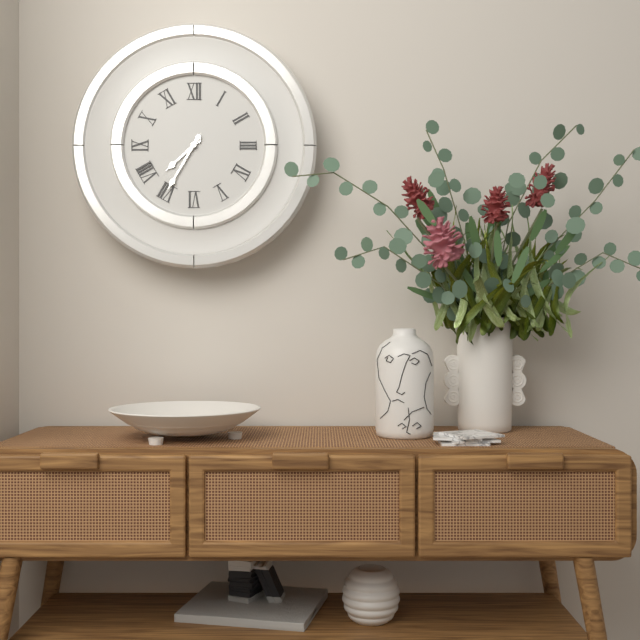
h=7 m=35
